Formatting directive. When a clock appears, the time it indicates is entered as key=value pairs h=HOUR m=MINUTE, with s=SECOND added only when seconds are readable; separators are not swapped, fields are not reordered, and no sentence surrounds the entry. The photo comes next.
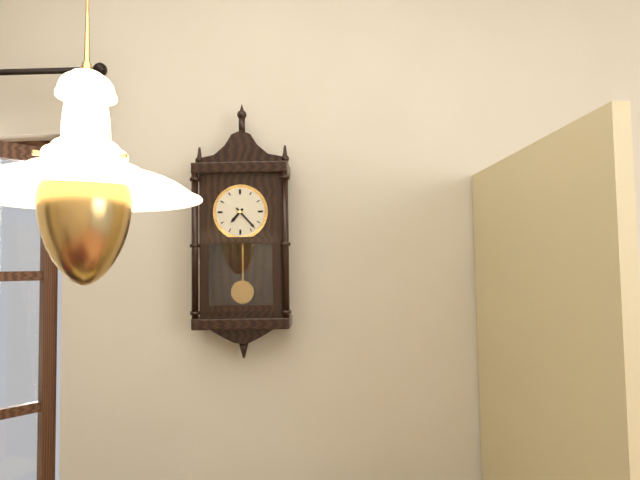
h=7 m=23
